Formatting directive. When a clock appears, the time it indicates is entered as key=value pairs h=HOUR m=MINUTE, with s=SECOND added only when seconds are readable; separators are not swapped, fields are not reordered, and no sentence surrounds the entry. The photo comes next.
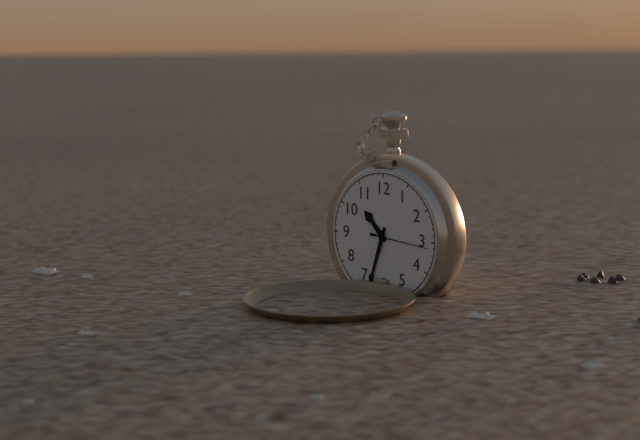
h=10 m=33 s=16
